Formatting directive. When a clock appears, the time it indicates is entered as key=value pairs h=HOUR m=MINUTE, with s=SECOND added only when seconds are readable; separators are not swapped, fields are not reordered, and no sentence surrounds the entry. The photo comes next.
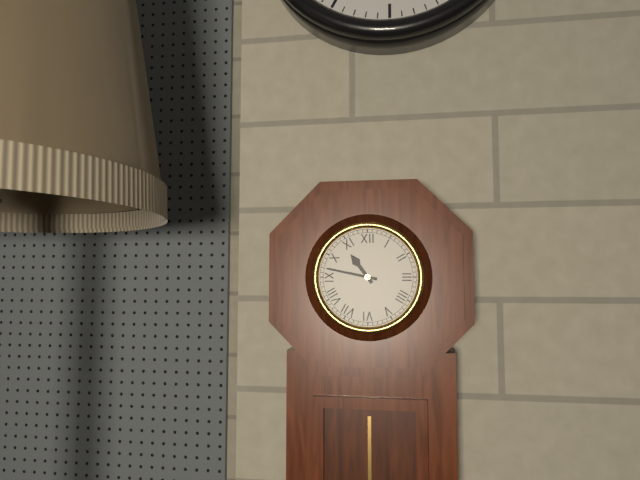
h=10 m=47
